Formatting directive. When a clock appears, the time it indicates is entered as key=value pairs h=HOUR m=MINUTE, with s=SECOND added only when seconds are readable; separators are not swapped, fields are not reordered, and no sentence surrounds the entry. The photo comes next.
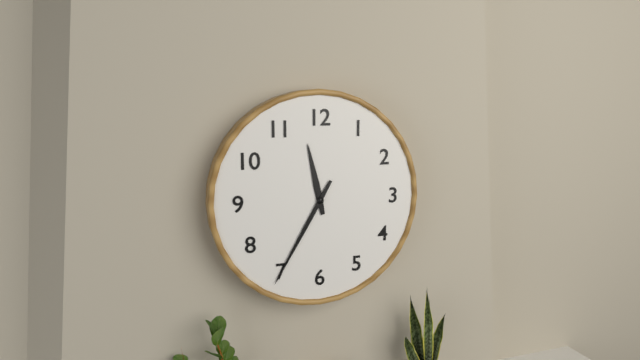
h=11 m=35
